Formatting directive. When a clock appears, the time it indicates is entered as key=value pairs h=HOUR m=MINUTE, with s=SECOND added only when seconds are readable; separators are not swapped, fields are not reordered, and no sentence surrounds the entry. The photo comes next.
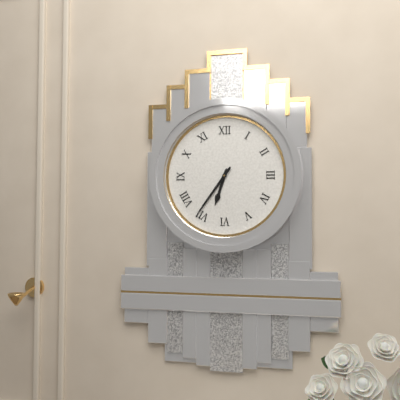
h=6 m=36
